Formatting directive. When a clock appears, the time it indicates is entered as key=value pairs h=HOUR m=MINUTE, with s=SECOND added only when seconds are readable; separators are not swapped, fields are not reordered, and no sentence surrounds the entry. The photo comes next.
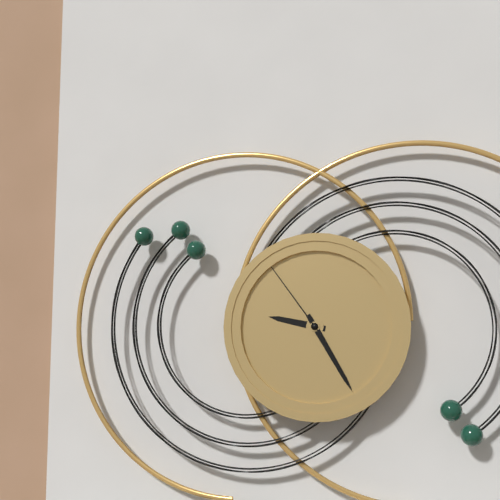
h=9 m=25 s=54
